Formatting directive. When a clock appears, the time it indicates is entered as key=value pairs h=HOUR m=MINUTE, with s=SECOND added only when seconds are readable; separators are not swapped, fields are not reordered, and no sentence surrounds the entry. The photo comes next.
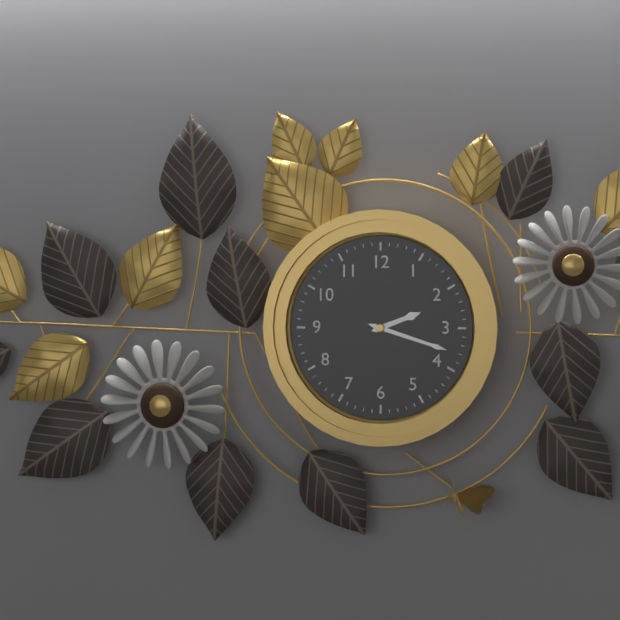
h=2 m=18
